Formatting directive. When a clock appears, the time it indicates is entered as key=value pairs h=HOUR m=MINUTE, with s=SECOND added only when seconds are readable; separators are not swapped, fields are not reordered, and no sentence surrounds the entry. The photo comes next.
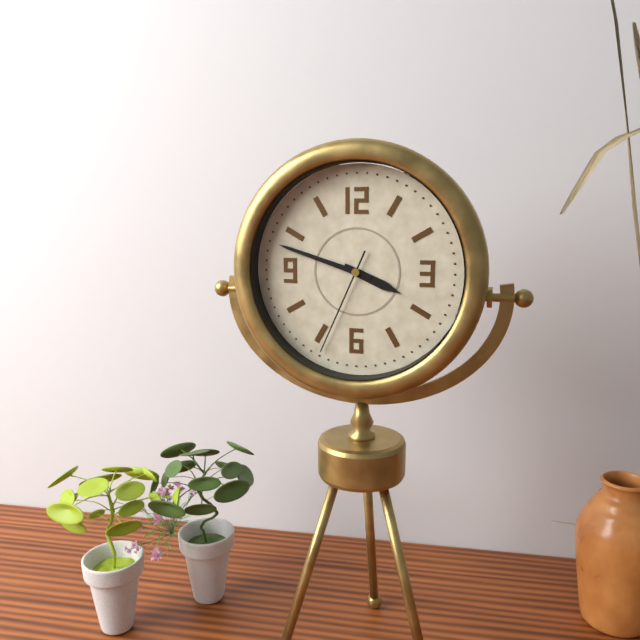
h=3 m=48 s=34
